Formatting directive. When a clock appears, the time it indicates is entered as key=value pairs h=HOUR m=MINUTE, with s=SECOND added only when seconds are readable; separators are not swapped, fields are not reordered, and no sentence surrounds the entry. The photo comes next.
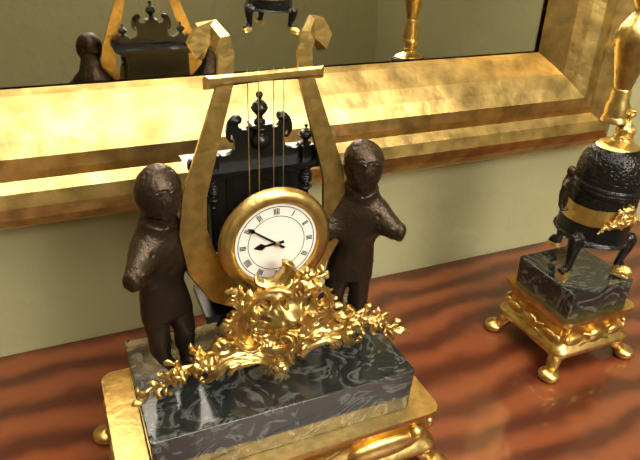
h=8 m=51
